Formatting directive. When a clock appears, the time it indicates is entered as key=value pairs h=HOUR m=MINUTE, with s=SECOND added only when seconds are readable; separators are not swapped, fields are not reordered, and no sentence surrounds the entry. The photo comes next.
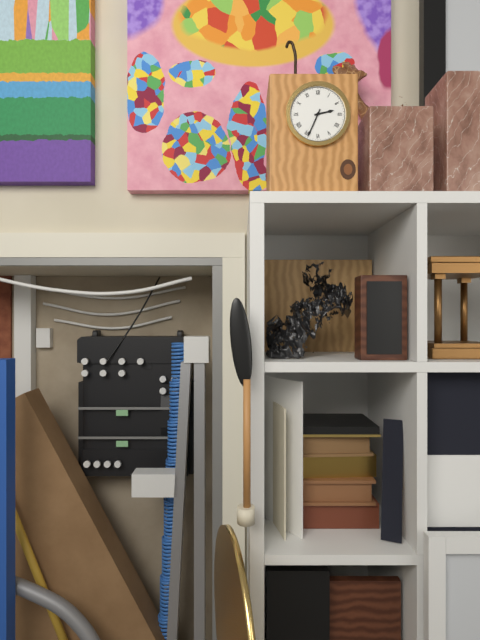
h=2 m=34
